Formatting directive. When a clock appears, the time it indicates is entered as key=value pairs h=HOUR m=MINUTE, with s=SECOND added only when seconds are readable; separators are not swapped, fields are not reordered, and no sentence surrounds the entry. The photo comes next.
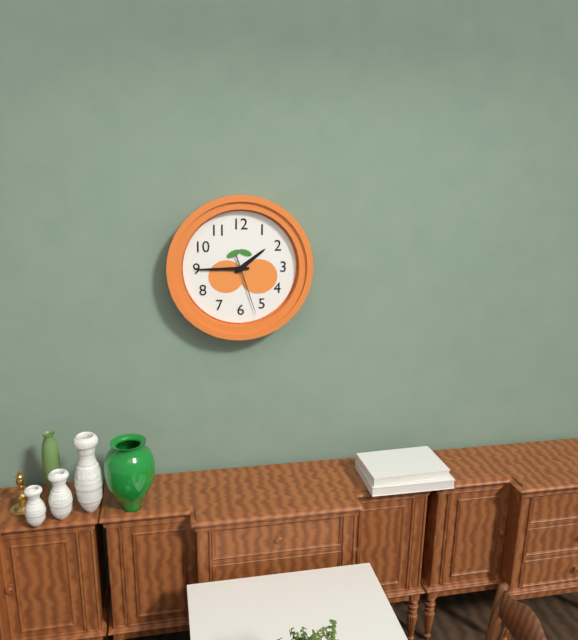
h=1 m=45 s=27
